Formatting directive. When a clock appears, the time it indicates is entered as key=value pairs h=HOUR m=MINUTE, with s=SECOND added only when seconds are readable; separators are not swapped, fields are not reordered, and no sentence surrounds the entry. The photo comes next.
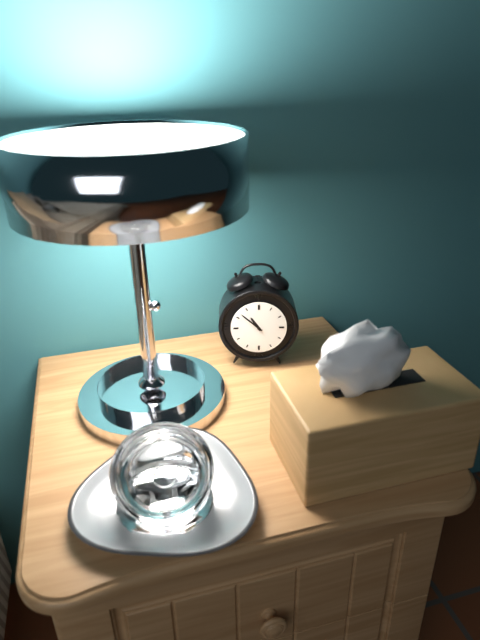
h=10 m=52
